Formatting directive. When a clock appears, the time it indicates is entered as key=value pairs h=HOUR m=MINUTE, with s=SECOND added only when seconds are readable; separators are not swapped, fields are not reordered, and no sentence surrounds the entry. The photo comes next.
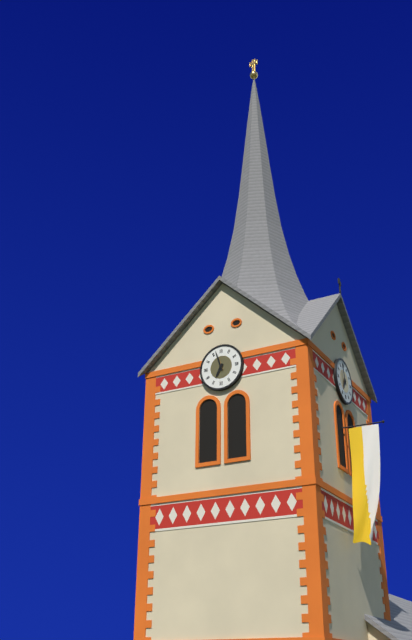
h=6 m=57
